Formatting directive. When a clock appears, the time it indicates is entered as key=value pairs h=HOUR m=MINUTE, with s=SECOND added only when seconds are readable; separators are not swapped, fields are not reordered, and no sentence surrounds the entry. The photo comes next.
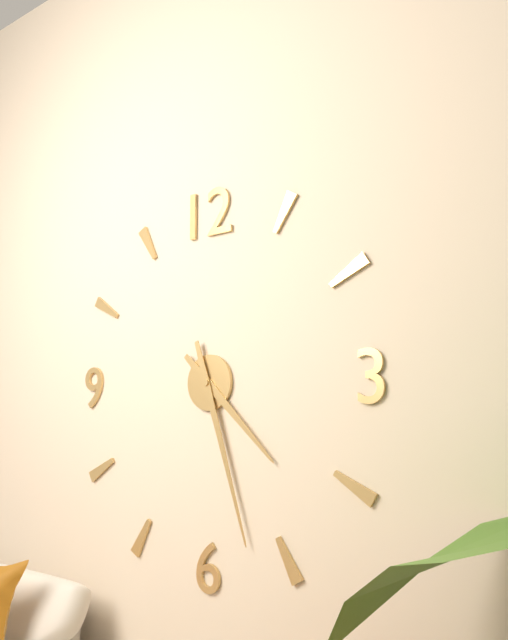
h=4 m=27
